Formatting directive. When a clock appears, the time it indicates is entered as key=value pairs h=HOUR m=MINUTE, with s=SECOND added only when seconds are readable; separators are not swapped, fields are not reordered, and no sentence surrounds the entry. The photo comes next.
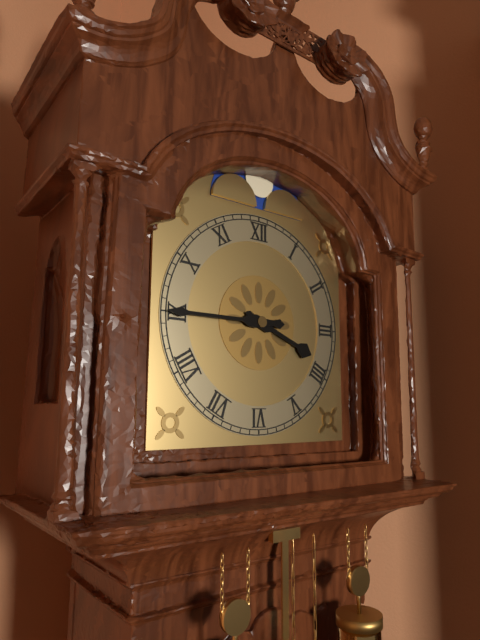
h=3 m=45
